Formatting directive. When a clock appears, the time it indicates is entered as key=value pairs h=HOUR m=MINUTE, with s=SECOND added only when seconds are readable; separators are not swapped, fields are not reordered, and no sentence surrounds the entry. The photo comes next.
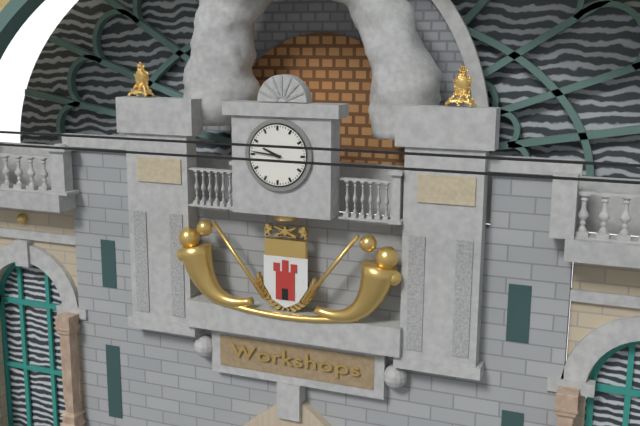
h=9 m=46
